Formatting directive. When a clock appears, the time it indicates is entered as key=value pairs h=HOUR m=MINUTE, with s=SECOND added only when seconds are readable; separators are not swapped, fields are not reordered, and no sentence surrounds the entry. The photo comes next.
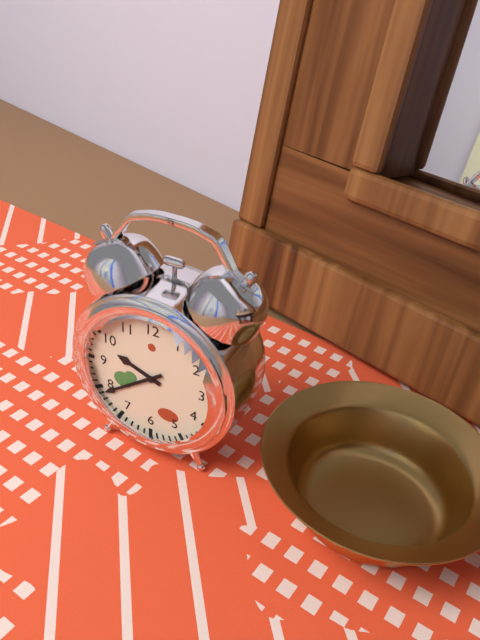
h=9 m=39
